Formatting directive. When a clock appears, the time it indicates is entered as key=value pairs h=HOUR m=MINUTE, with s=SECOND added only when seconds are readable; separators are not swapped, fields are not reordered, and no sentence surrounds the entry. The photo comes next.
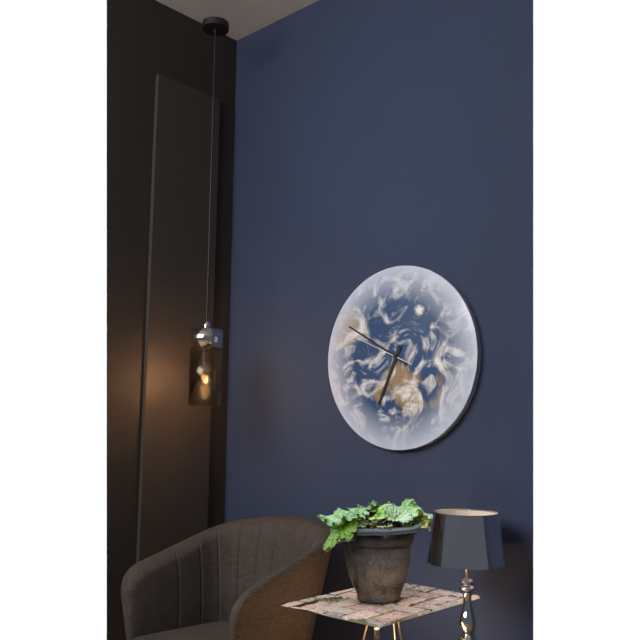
h=6 m=50 s=49
